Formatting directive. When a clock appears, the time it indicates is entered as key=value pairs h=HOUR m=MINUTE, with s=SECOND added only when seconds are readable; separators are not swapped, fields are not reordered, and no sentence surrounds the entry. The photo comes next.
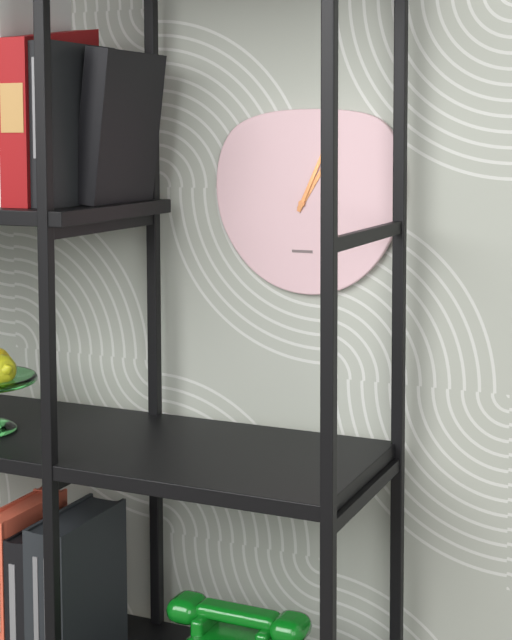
h=1 m=4
